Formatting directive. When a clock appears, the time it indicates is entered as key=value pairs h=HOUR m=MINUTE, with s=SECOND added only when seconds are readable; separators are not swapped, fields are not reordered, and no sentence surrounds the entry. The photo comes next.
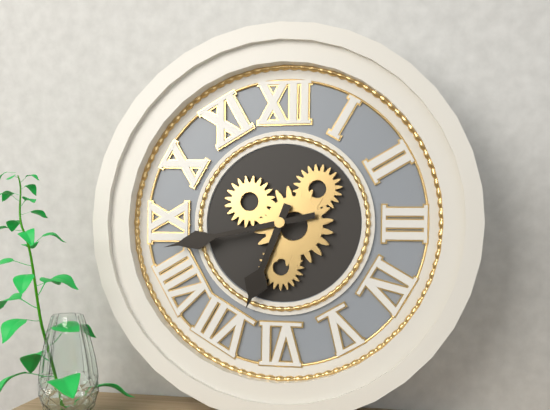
h=6 m=43
